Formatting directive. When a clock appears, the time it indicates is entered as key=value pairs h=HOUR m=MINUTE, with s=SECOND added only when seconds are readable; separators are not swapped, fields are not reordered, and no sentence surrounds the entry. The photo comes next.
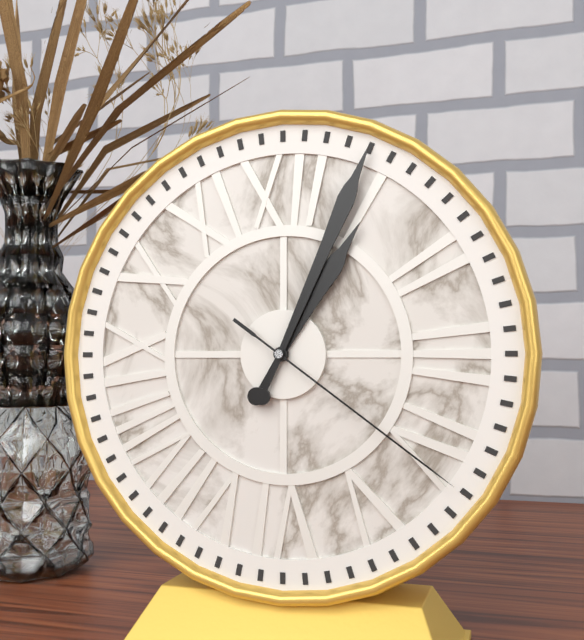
h=1 m=4 s=21
